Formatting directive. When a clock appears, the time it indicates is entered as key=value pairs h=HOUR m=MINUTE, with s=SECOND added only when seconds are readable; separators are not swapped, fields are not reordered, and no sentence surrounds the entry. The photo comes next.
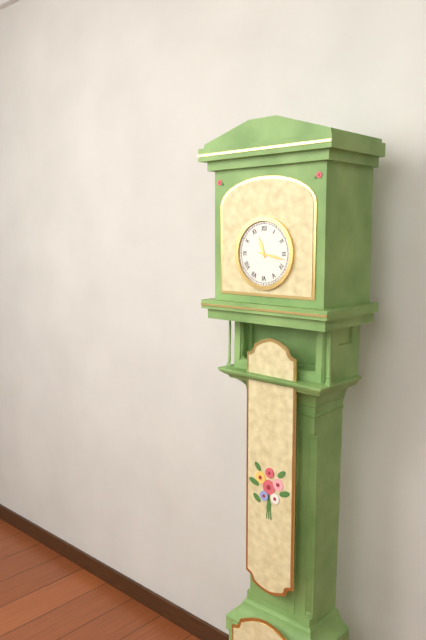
h=11 m=17
